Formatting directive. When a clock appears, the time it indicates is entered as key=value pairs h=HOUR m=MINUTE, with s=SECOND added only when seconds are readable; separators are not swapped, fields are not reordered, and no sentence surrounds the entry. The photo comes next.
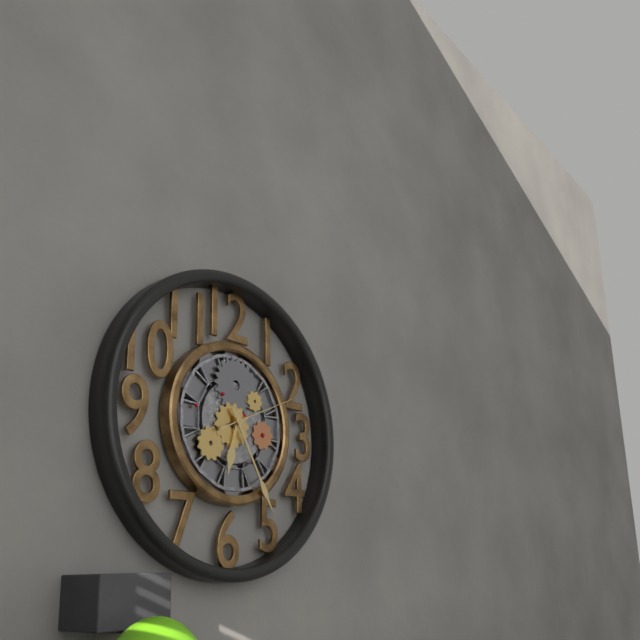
h=6 m=25 s=11
